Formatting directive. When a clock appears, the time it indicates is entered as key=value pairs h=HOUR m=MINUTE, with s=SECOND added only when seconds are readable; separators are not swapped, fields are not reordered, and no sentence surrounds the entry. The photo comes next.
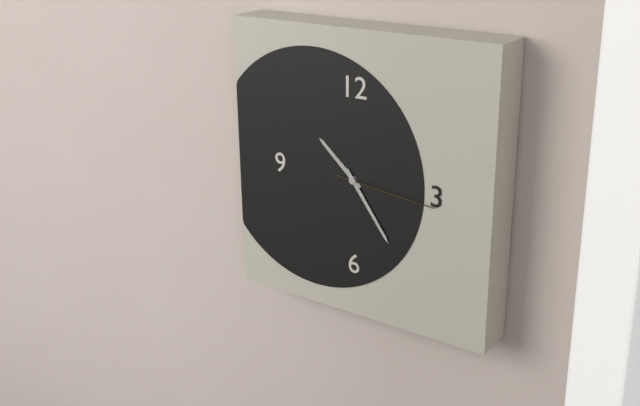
h=10 m=24 s=16
